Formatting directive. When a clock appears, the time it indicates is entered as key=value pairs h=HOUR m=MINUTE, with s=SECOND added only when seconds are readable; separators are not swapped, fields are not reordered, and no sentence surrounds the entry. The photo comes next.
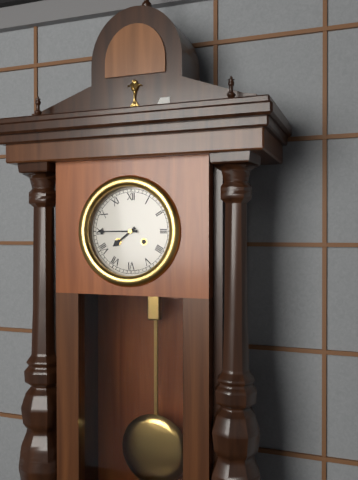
h=7 m=45
